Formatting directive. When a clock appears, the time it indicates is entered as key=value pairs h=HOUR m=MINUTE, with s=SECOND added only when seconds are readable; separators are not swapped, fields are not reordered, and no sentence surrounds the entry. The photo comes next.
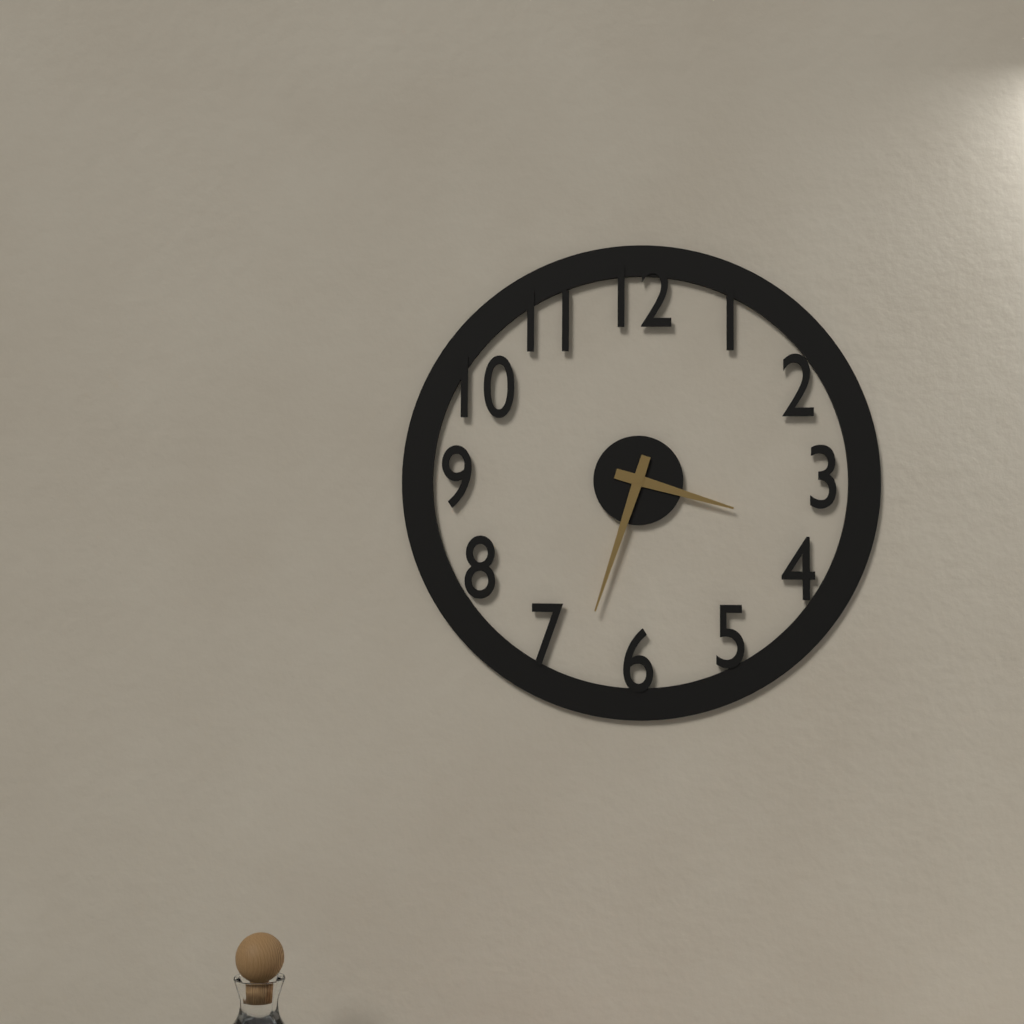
h=3 m=33
